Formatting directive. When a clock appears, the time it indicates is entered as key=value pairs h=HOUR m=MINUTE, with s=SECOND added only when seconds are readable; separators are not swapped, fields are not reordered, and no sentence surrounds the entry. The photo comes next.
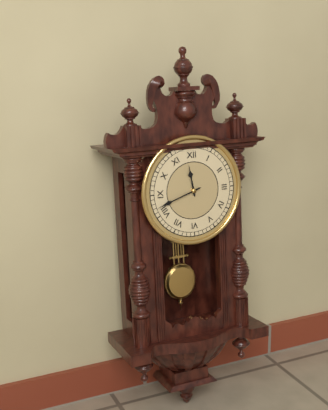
h=11 m=42
